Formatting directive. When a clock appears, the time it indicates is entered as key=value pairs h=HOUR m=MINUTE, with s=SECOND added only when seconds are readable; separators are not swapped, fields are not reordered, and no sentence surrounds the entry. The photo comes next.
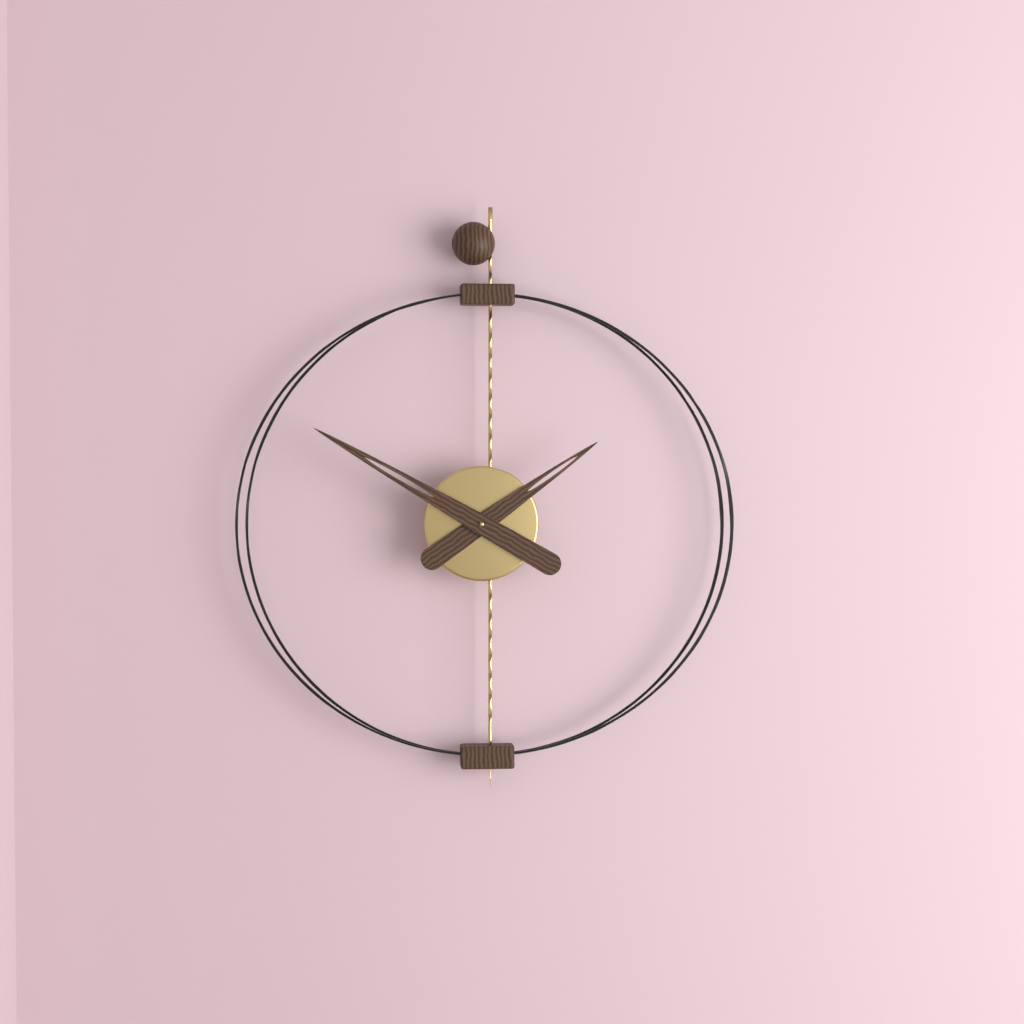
h=1 m=50
